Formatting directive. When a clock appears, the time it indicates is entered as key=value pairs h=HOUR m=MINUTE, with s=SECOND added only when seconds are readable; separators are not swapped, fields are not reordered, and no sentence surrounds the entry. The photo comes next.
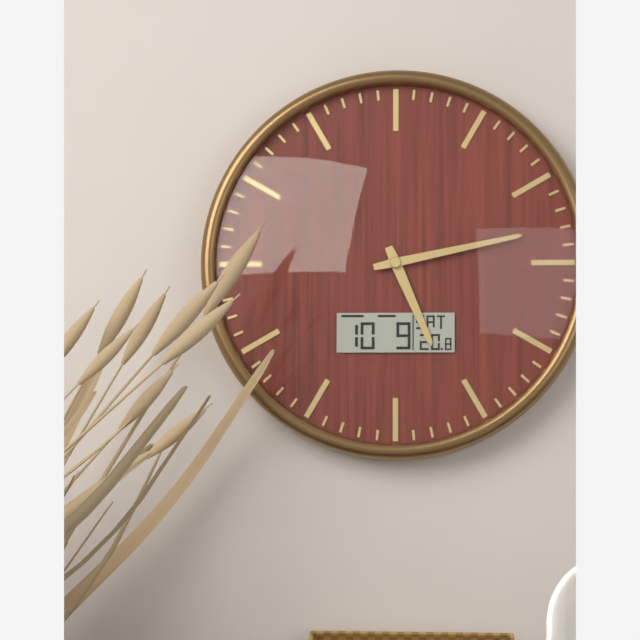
h=5 m=13
